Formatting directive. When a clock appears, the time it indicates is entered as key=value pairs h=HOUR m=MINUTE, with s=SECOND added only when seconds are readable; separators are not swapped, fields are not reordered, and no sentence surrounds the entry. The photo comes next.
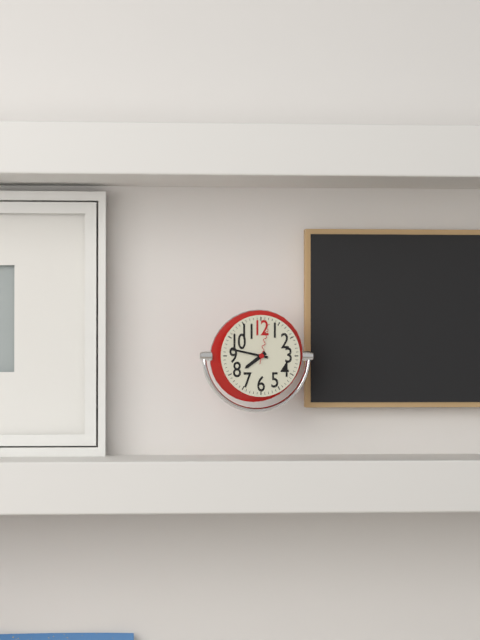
h=7 m=47
